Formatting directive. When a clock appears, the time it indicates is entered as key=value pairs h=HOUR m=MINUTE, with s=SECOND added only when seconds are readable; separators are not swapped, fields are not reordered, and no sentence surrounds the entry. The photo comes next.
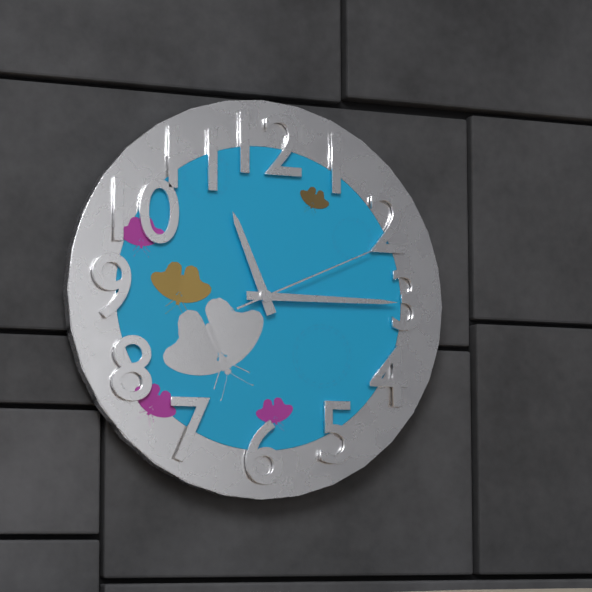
h=11 m=15 s=11
